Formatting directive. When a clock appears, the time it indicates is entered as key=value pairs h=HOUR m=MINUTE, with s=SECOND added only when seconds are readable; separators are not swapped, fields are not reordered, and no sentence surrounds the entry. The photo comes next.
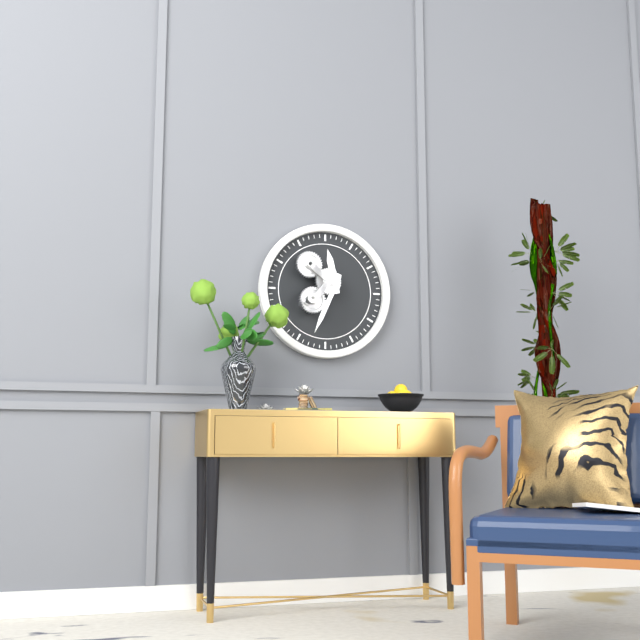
h=11 m=34
